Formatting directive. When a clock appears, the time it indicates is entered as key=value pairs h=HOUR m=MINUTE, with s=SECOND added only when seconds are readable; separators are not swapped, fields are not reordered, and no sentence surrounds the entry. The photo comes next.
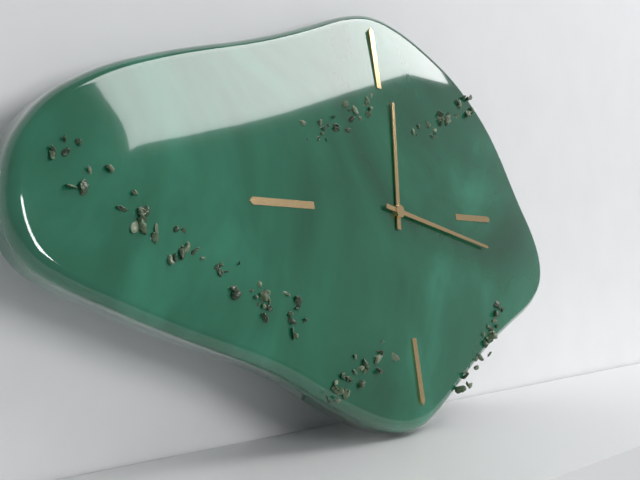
h=12 m=17
